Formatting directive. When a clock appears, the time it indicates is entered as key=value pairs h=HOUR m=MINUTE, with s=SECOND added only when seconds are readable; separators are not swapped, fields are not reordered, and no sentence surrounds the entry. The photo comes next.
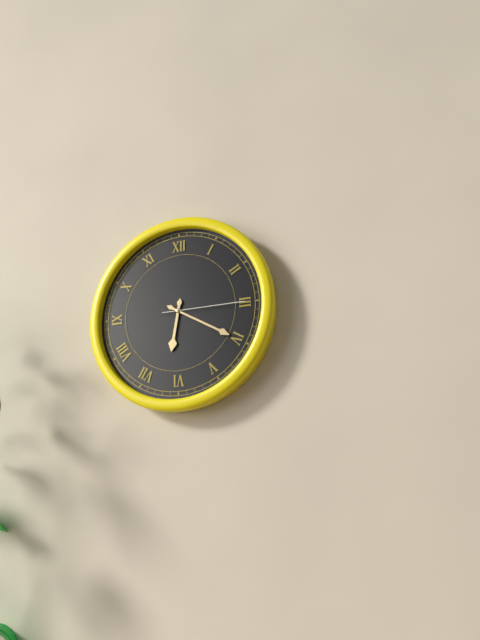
h=6 m=20 s=15
